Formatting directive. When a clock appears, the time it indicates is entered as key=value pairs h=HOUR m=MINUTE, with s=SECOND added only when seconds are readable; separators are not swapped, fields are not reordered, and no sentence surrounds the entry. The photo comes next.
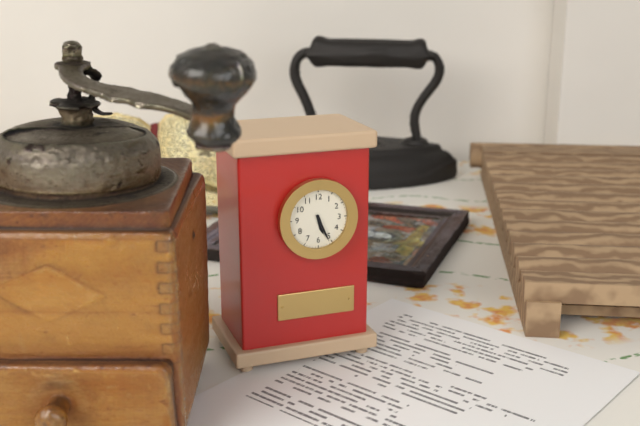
h=5 m=26
